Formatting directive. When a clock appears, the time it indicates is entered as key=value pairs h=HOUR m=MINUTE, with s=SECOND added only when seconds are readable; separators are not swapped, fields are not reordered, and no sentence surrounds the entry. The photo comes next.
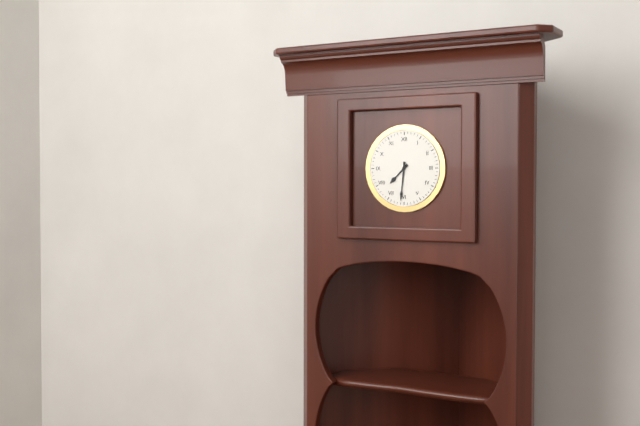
h=7 m=31
